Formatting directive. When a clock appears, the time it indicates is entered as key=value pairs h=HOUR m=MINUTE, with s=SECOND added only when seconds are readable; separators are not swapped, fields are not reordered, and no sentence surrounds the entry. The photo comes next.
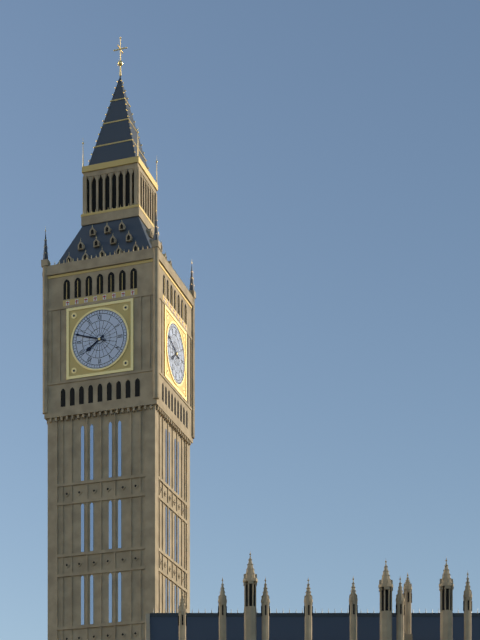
h=7 m=48
